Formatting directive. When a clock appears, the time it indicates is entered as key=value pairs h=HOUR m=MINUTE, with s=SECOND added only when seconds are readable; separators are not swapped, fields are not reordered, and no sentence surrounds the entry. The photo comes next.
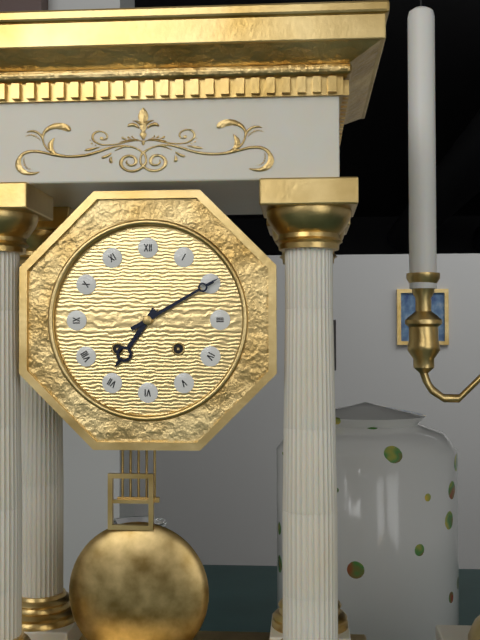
h=7 m=10
